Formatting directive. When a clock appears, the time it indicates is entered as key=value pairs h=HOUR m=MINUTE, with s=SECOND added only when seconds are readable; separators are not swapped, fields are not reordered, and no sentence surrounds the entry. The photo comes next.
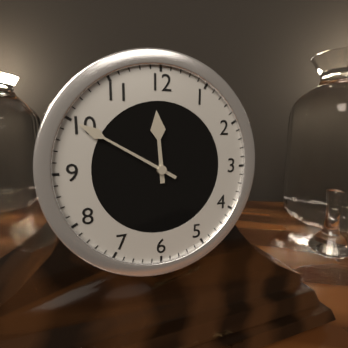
h=11 m=50
